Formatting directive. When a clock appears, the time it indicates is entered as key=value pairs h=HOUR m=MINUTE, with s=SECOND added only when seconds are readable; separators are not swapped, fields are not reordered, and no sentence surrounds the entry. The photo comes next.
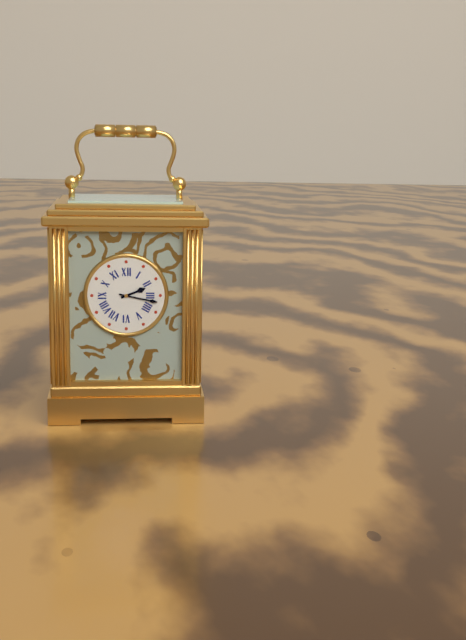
h=2 m=17
